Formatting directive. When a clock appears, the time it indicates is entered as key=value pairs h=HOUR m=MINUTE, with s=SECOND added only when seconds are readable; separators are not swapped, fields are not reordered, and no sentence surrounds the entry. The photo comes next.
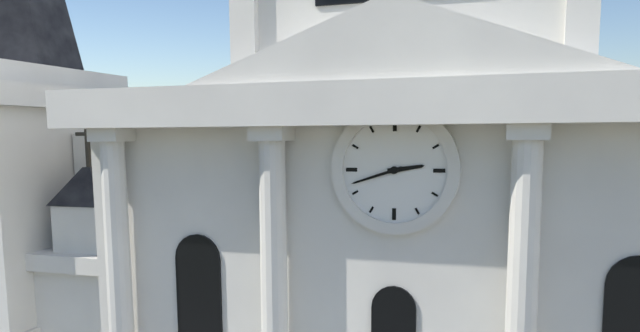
h=2 m=42
